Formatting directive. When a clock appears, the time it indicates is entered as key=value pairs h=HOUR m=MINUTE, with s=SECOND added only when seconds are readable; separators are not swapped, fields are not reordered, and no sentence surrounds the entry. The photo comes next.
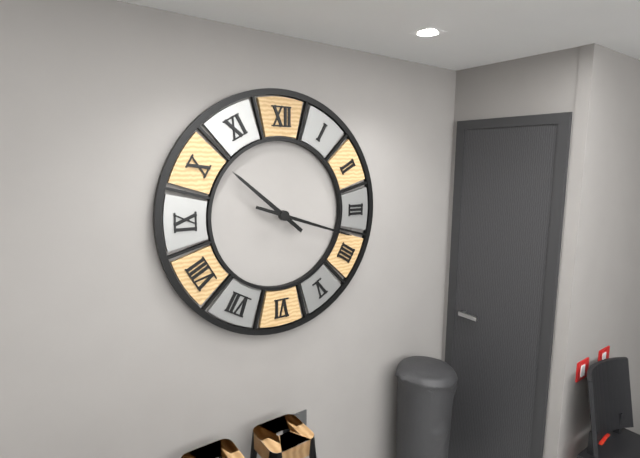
h=10 m=18
